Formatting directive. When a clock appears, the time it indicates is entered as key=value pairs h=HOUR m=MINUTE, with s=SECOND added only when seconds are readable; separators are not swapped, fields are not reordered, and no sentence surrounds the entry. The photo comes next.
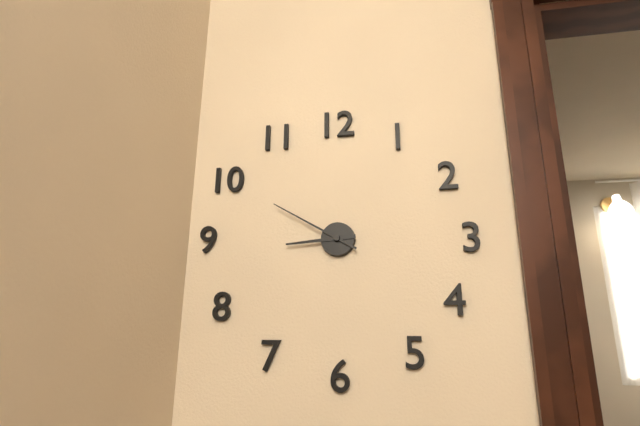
h=8 m=50
